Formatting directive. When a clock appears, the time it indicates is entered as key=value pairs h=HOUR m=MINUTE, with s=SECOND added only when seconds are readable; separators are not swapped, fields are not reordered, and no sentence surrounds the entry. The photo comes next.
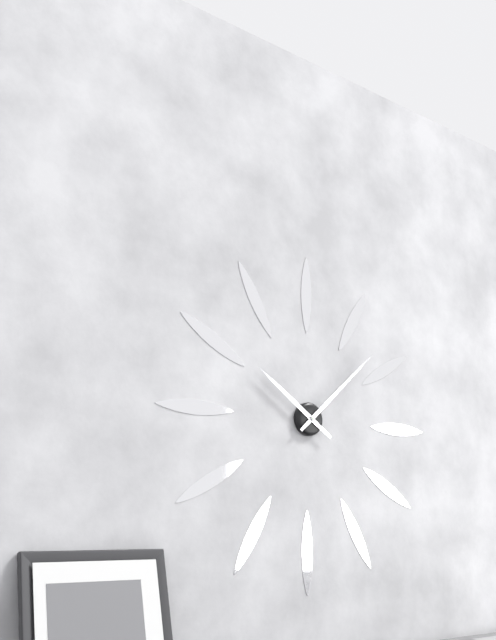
h=10 m=8
